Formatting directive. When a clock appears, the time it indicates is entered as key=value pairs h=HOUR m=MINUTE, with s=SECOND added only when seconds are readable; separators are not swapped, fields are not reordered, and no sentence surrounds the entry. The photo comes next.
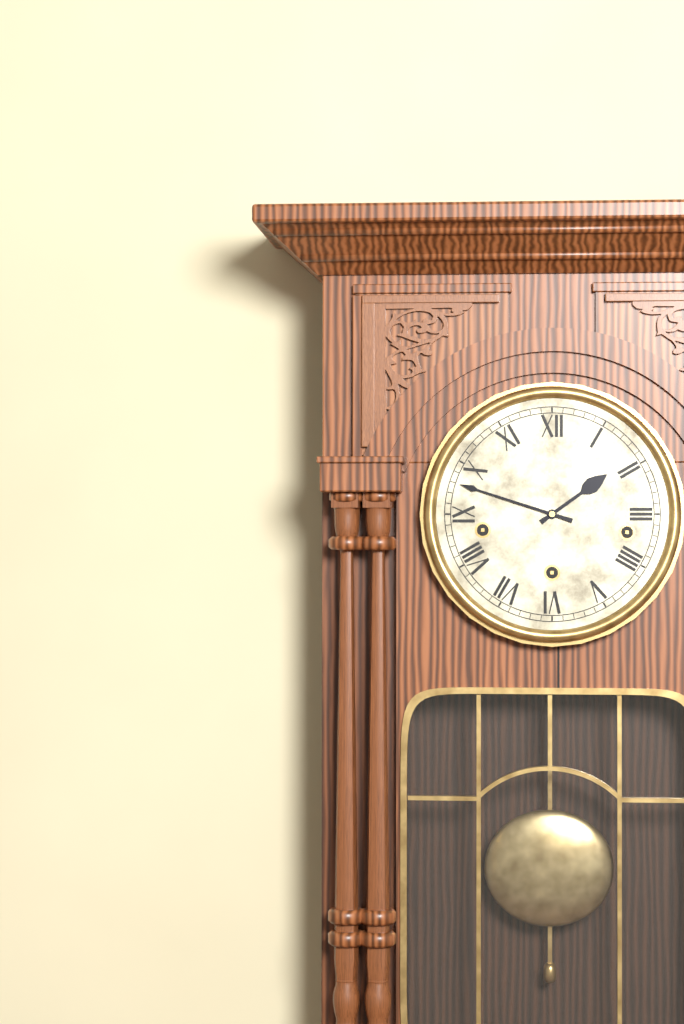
h=1 m=48
